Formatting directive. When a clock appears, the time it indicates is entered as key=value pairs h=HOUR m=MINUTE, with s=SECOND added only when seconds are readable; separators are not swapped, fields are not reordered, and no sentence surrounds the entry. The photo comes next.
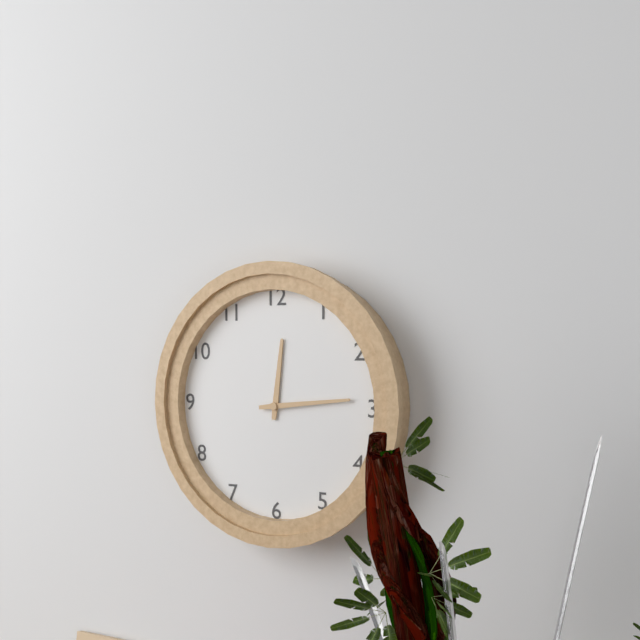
h=12 m=14
